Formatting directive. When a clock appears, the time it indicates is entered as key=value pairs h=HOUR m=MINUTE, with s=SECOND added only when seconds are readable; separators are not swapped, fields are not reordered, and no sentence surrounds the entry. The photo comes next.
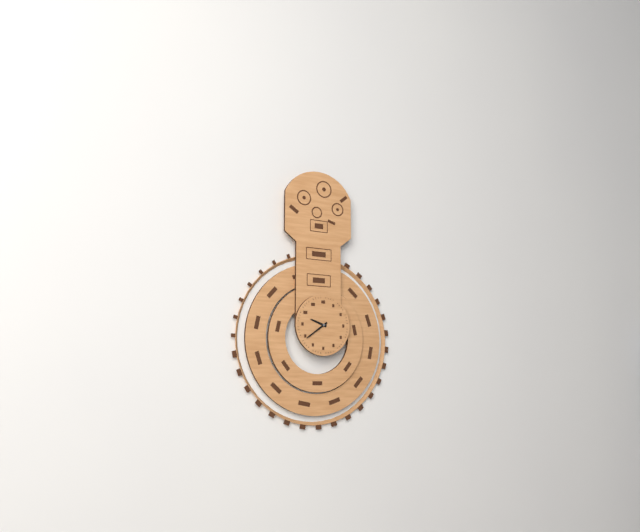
h=9 m=39
